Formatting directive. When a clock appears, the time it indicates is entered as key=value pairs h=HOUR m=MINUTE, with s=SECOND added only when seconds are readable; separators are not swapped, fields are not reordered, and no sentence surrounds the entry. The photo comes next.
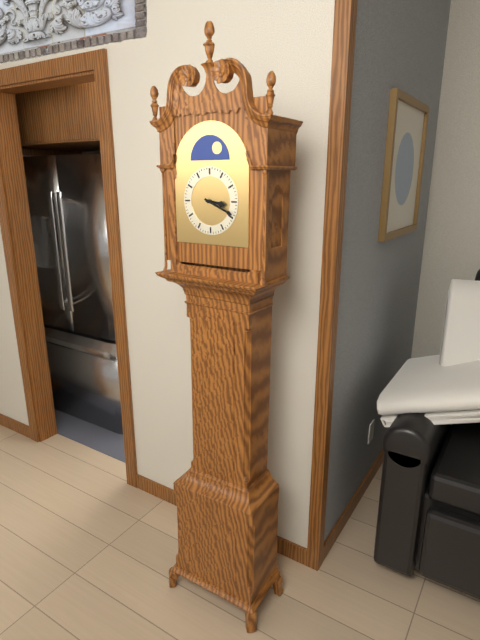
h=3 m=19
